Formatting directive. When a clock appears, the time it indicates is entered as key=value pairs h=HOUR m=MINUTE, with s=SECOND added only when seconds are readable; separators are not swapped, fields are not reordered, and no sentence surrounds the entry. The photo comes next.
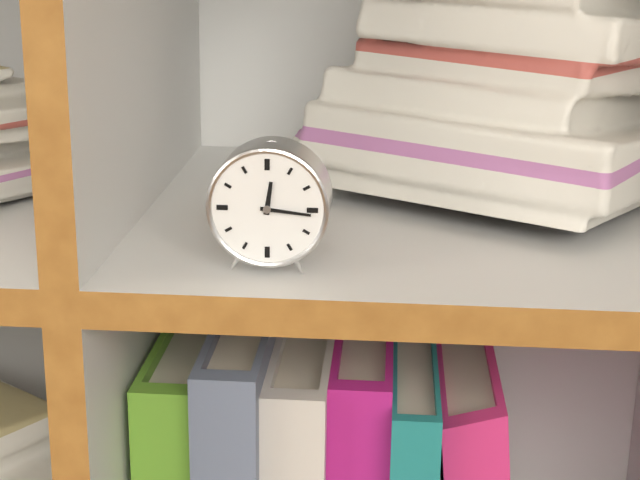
h=12 m=16
